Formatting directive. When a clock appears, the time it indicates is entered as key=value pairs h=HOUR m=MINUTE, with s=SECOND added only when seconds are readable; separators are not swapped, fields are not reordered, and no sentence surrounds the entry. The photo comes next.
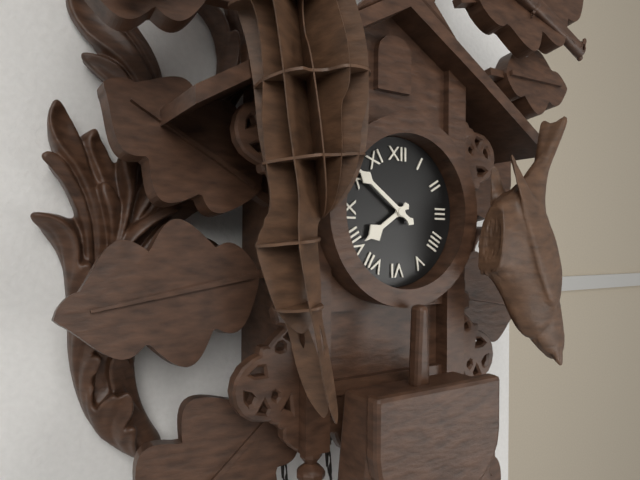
h=7 m=51
